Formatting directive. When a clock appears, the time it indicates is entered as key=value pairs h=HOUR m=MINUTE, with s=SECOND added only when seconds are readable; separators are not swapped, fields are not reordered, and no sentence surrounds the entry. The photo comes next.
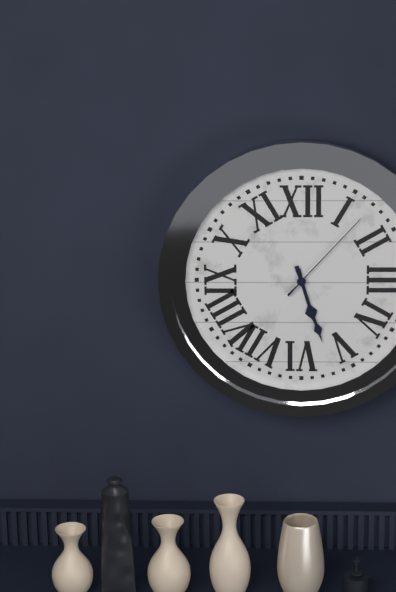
h=5 m=27 s=7
